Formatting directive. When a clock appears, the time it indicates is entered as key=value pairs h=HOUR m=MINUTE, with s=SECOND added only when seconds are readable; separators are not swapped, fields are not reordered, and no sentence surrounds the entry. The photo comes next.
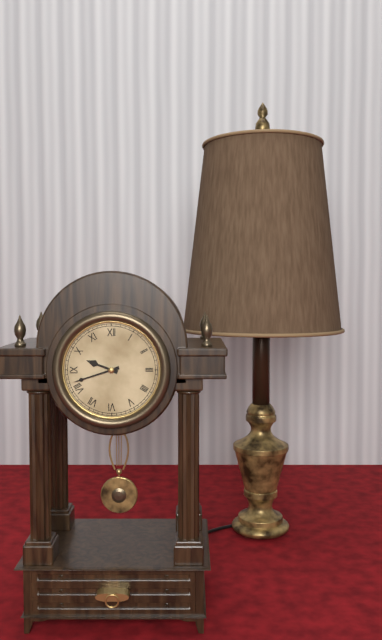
h=9 m=42
